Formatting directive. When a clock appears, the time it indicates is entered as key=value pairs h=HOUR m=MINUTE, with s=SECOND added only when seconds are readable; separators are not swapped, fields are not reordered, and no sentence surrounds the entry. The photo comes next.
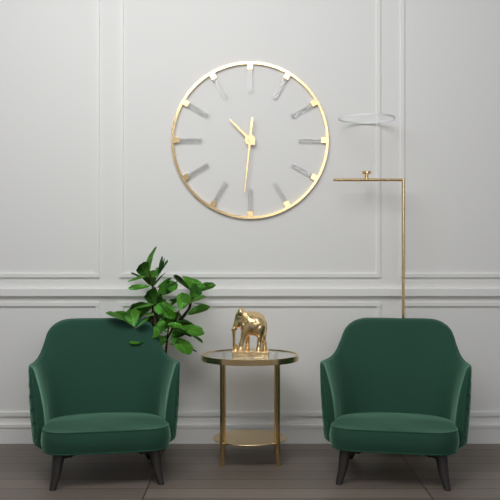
h=10 m=31
